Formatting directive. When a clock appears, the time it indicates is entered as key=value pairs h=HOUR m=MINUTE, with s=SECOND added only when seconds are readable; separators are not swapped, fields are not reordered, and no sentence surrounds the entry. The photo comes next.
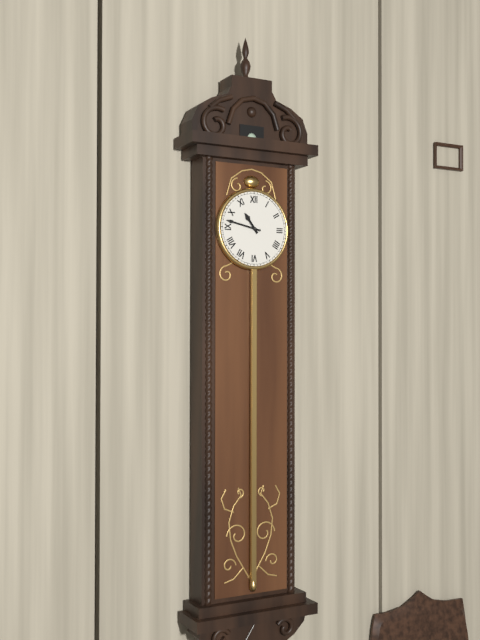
h=10 m=47
